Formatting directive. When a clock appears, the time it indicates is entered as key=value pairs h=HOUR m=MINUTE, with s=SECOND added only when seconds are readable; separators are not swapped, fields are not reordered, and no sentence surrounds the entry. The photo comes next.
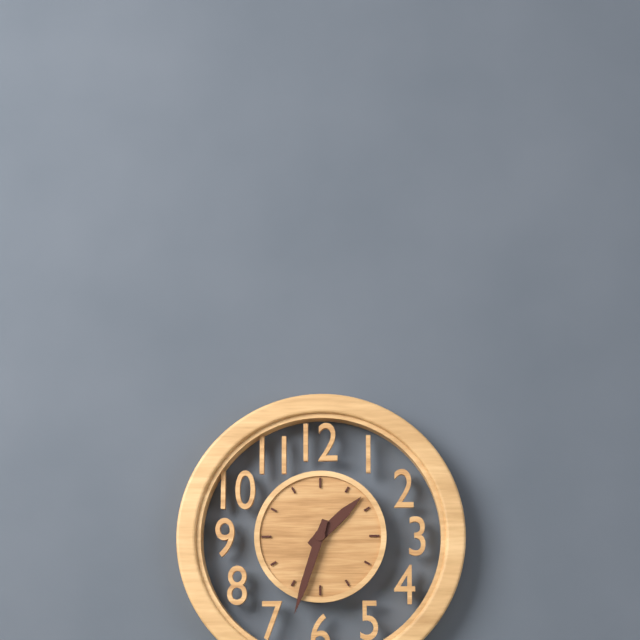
h=1 m=33
